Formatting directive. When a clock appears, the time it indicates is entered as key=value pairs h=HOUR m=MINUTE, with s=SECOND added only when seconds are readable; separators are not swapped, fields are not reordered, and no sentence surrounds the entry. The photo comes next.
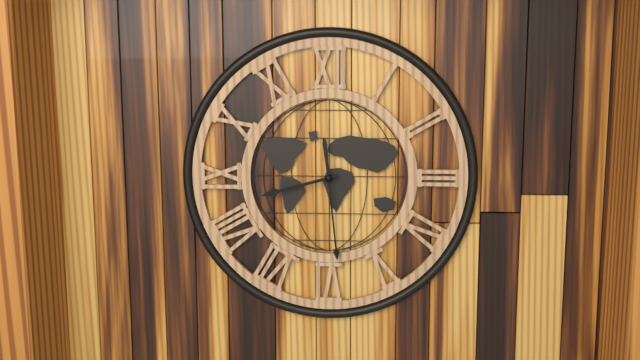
h=8 m=29
